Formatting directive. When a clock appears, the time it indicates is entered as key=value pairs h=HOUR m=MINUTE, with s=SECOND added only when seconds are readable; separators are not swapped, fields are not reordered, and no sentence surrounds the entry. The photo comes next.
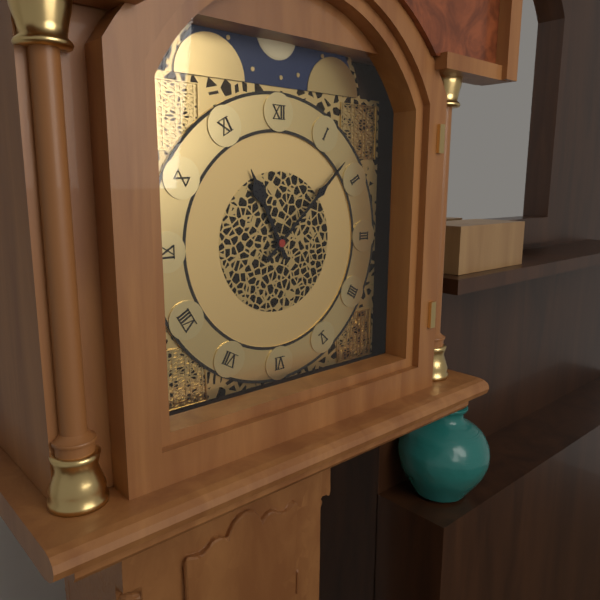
h=11 m=8
